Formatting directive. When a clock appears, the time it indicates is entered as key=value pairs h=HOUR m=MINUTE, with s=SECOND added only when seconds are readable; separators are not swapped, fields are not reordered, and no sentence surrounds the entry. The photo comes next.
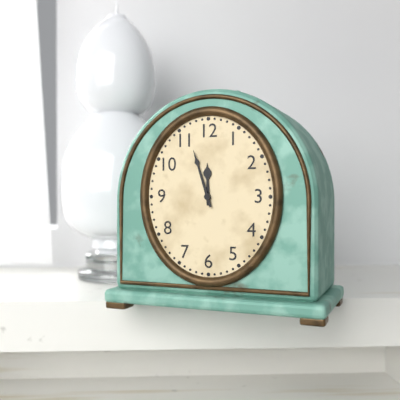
h=11 m=57
